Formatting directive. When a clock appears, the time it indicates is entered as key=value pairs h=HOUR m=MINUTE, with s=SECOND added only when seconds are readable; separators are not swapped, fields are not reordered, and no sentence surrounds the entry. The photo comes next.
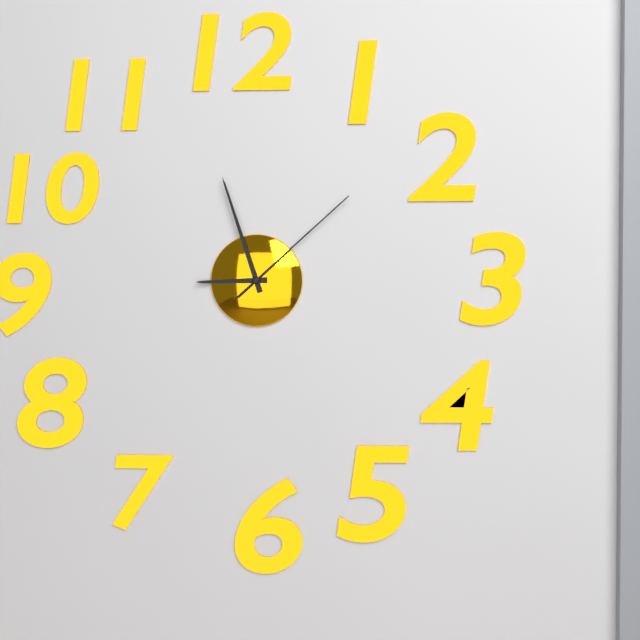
h=8 m=57 s=8
